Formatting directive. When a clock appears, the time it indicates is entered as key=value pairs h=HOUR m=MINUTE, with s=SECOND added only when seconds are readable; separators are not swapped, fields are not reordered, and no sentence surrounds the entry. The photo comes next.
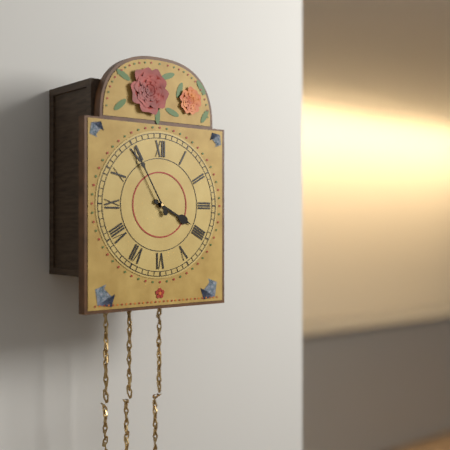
h=3 m=55
